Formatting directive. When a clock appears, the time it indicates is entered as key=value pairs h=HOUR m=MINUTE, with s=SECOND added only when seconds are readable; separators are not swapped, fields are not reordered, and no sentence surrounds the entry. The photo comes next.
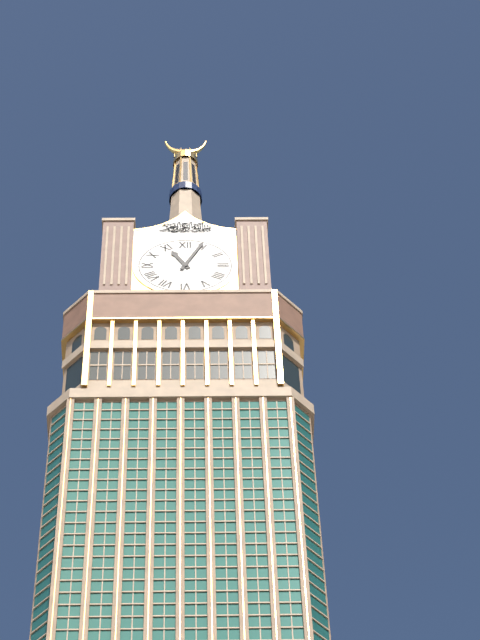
h=11 m=4
